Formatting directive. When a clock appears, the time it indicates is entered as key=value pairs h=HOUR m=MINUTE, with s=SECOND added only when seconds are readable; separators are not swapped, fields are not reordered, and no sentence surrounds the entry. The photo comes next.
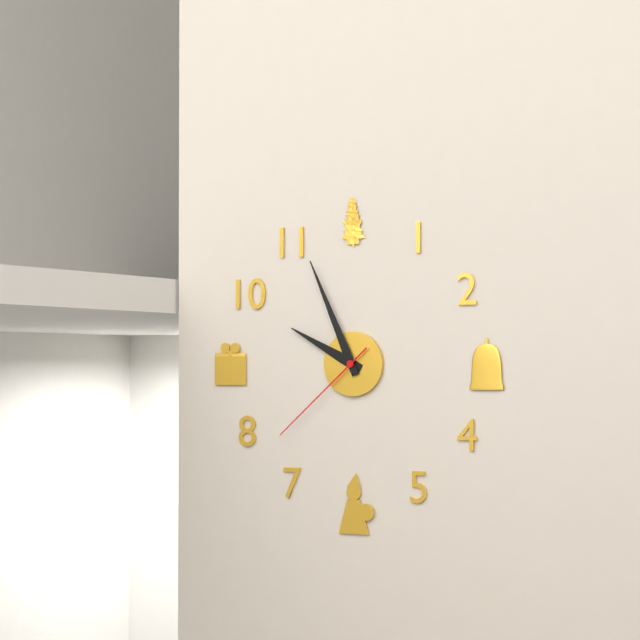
h=9 m=56 s=38
